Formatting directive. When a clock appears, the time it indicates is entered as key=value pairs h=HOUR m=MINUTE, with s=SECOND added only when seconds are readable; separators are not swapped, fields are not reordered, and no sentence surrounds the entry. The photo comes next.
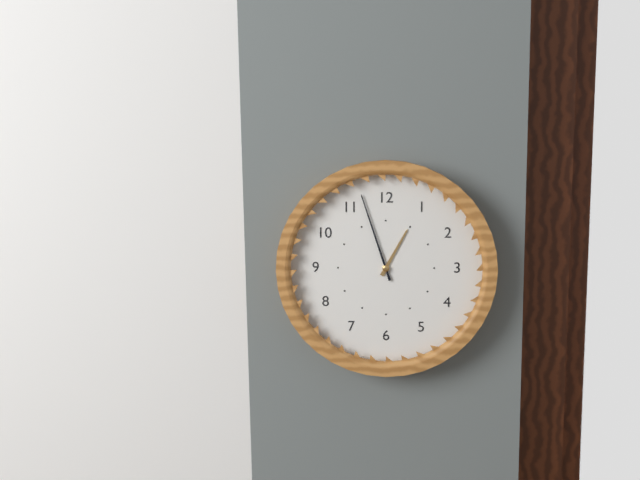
h=12 m=57
